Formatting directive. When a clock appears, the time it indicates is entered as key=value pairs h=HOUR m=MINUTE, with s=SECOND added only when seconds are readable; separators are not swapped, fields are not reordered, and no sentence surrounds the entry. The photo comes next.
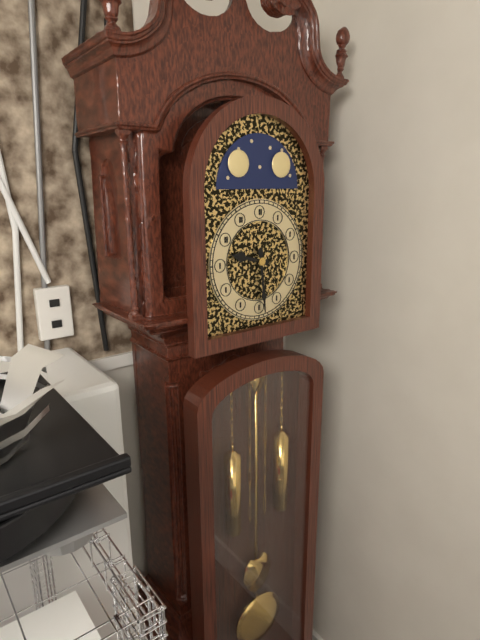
h=9 m=29
